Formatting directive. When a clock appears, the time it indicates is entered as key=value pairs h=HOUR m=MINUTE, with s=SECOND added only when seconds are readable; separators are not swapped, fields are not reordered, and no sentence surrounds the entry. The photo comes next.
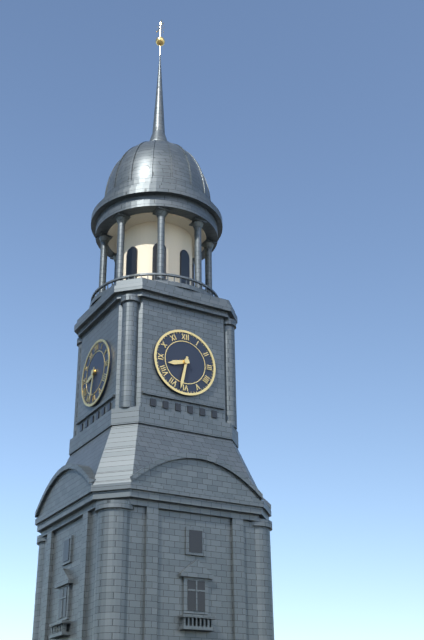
h=8 m=32
